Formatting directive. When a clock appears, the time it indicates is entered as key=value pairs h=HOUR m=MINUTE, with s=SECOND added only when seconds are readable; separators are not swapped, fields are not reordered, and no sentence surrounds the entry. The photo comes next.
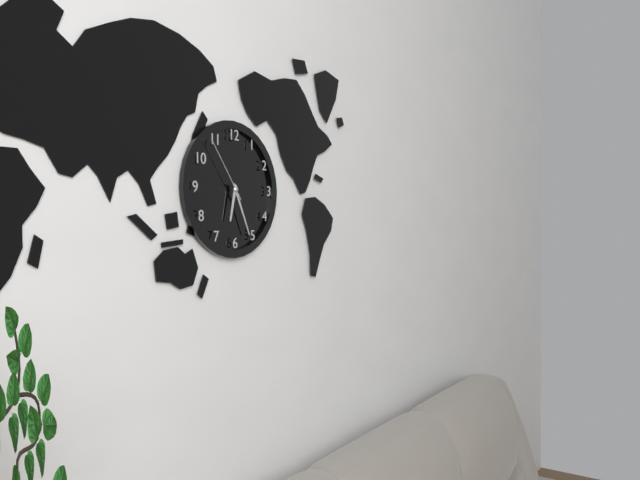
h=6 m=26 s=54
